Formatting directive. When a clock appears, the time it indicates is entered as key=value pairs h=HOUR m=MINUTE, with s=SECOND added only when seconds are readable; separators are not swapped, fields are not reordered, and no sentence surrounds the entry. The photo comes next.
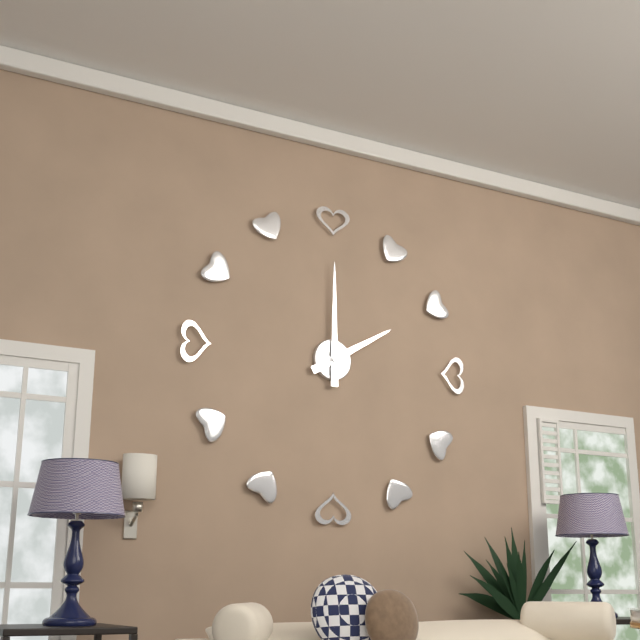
h=2 m=0
